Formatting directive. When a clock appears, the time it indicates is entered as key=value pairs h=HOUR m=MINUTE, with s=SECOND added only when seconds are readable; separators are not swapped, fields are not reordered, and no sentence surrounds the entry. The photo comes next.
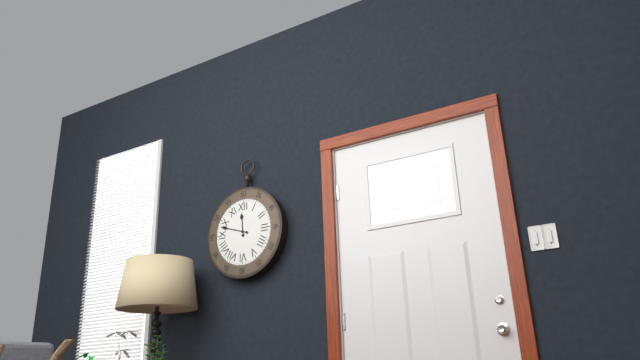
h=11 m=48
